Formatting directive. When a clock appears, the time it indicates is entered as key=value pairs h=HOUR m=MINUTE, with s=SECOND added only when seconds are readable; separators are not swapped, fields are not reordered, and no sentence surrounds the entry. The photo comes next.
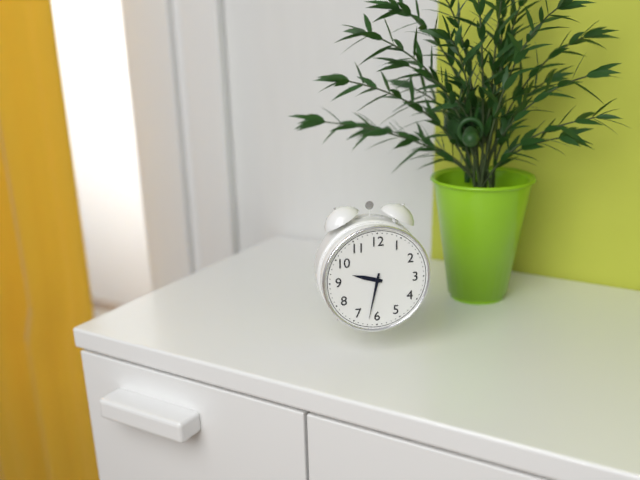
h=9 m=32
